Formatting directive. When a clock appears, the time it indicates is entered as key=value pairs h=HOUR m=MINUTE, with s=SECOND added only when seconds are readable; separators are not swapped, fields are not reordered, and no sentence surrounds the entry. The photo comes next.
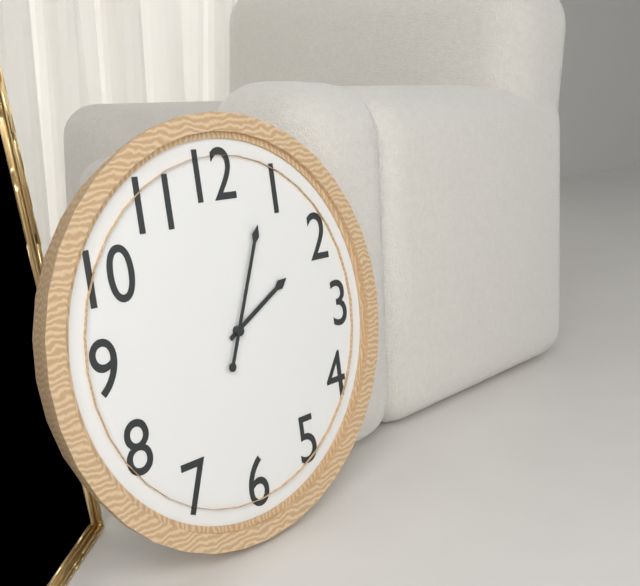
h=2 m=4
